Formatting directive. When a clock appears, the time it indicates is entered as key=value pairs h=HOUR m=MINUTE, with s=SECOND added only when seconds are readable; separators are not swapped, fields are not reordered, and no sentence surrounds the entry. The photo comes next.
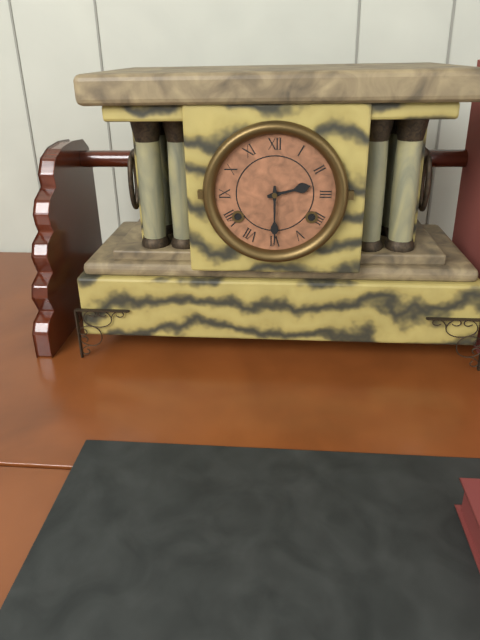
h=2 m=30
